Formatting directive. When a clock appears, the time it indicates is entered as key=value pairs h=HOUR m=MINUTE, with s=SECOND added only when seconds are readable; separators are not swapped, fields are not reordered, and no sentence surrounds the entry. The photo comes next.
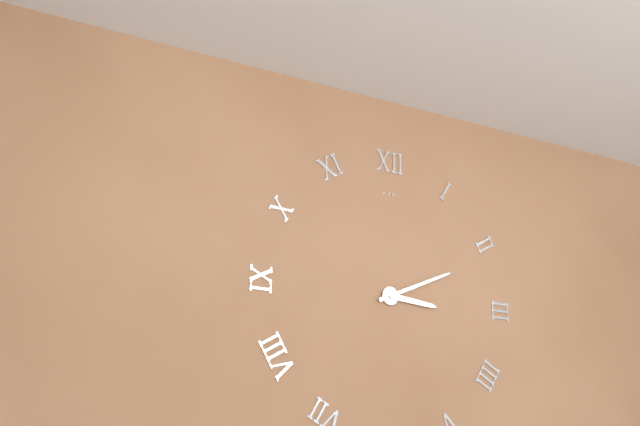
h=3 m=11
